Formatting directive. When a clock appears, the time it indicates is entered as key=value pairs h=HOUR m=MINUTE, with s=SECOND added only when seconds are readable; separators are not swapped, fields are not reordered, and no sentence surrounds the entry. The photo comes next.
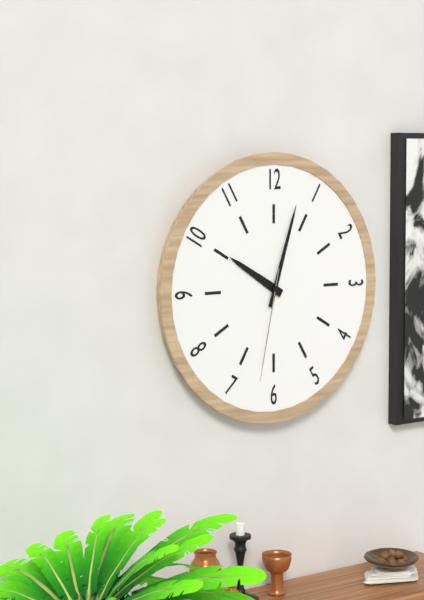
h=10 m=3 s=32
